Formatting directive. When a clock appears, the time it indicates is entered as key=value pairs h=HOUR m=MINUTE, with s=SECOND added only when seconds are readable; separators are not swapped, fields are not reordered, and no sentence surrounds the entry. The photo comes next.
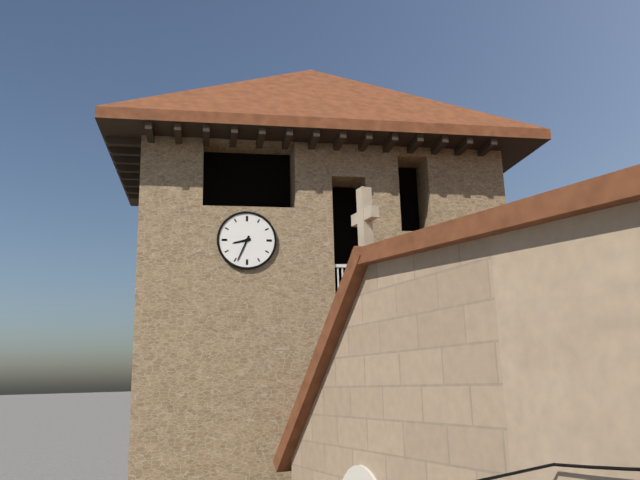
h=8 m=34
